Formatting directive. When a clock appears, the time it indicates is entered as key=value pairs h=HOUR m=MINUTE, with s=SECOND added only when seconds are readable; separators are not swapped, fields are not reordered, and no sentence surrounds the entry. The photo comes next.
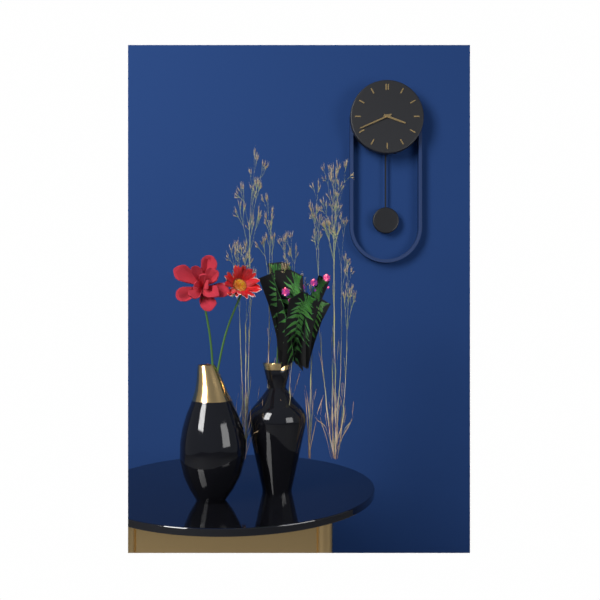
h=3 m=41
